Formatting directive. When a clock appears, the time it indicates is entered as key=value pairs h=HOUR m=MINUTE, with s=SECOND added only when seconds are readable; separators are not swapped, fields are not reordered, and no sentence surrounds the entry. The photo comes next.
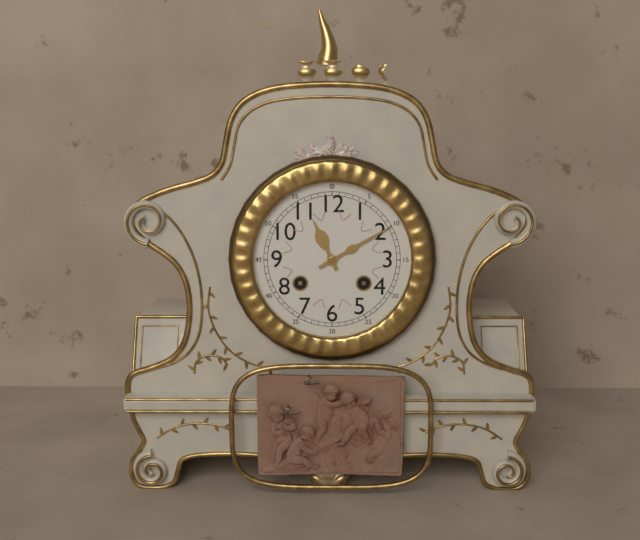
h=11 m=10
